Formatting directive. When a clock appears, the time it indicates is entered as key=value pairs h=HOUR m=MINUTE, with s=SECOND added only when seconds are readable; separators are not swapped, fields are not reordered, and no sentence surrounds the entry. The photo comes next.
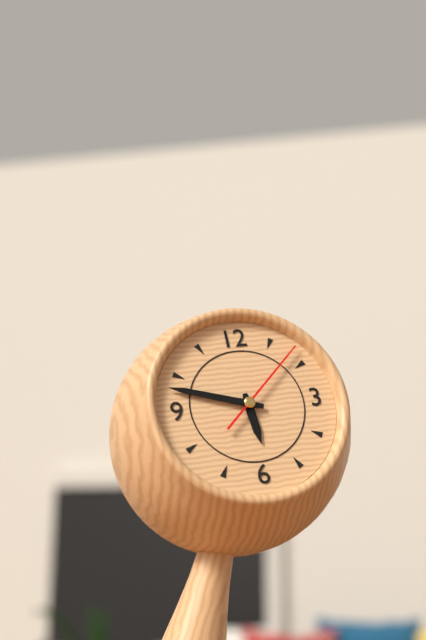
h=5 m=48 s=8
